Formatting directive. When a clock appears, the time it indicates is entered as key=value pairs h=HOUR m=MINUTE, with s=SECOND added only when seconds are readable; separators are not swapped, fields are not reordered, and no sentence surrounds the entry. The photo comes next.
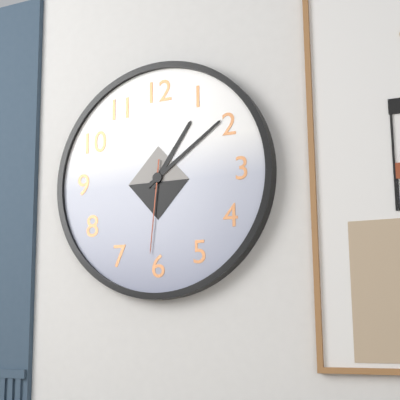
h=1 m=9 s=31
